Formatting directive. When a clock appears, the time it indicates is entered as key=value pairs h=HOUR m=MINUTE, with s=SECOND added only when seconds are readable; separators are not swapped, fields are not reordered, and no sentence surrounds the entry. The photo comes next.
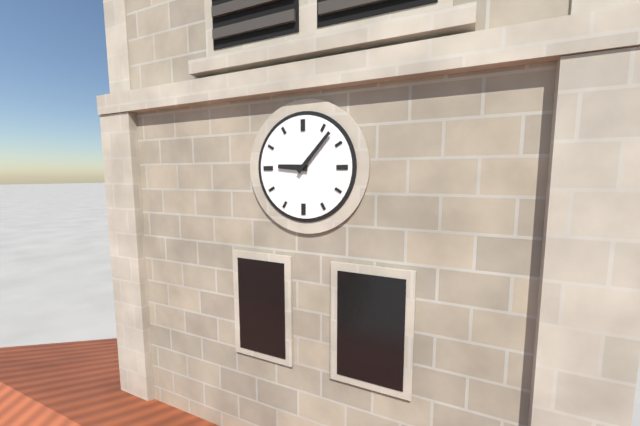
h=9 m=7
